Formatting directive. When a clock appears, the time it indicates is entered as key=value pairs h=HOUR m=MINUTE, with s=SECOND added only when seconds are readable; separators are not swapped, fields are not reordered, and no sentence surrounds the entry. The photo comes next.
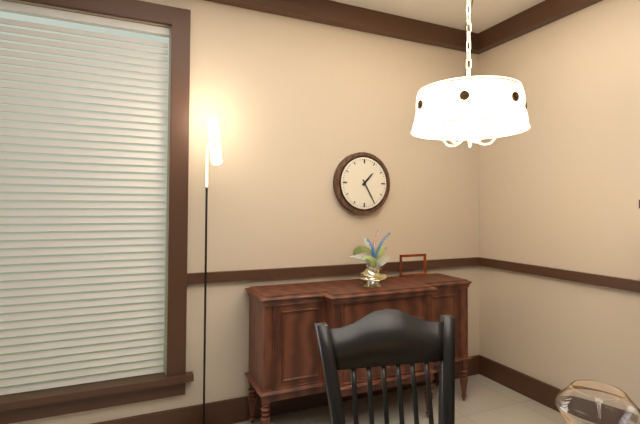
h=1 m=25
